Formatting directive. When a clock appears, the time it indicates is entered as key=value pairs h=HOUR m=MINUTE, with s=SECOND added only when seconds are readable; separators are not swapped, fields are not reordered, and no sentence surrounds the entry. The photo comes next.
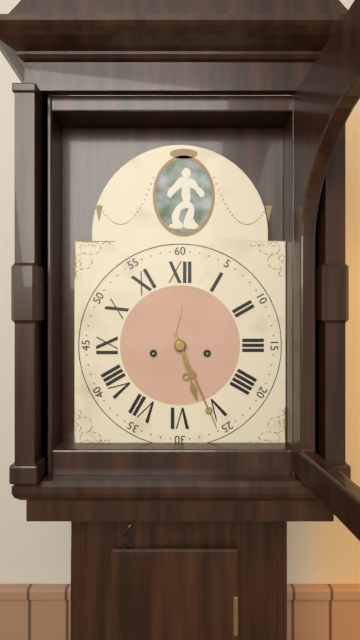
h=5 m=26
